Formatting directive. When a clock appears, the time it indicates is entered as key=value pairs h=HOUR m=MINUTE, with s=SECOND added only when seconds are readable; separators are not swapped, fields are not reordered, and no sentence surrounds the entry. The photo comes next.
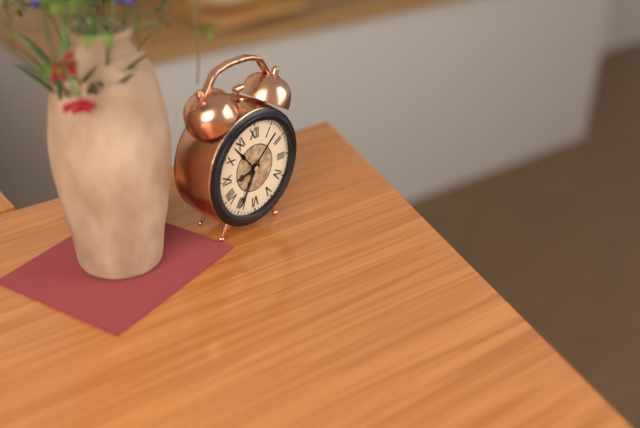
h=8 m=35
